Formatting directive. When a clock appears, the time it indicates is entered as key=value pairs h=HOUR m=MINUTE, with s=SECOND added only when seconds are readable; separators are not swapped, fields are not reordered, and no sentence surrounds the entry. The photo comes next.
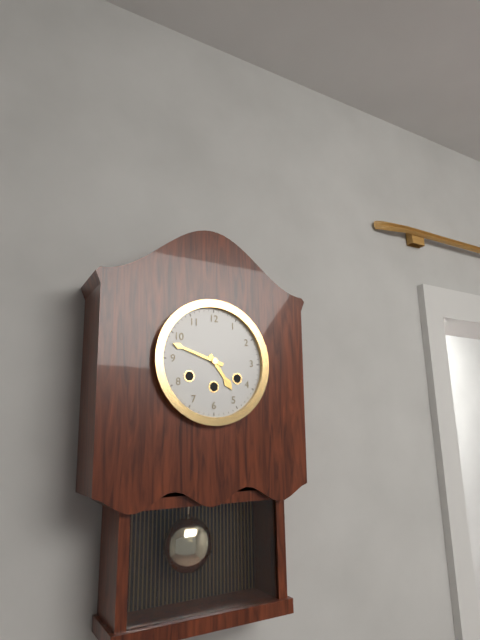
h=4 m=48
